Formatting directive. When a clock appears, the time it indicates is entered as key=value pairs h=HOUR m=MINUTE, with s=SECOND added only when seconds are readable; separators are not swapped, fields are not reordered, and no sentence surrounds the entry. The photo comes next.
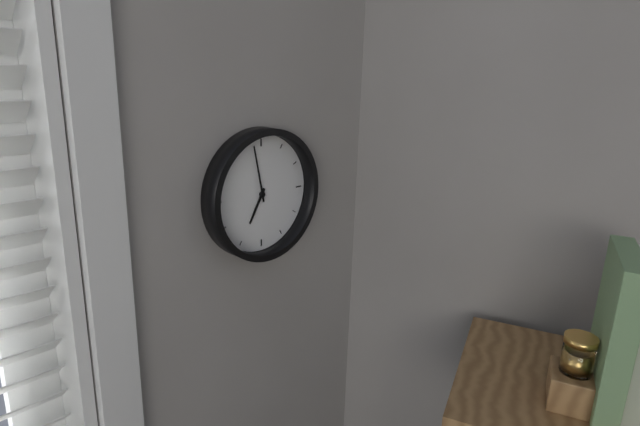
h=6 m=58
